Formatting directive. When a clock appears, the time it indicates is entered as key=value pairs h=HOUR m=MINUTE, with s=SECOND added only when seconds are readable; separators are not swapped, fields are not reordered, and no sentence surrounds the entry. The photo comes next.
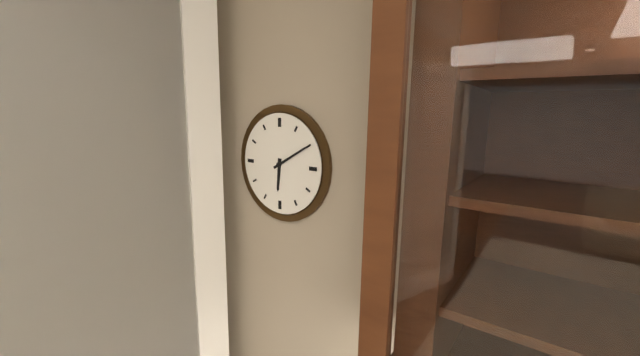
h=6 m=10
